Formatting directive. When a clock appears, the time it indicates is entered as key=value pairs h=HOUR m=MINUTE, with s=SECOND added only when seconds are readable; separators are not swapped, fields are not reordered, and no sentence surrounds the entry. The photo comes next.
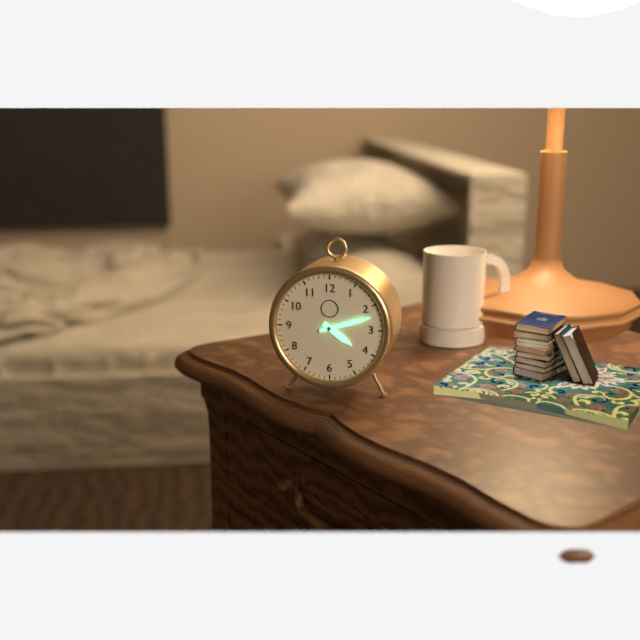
h=4 m=12
